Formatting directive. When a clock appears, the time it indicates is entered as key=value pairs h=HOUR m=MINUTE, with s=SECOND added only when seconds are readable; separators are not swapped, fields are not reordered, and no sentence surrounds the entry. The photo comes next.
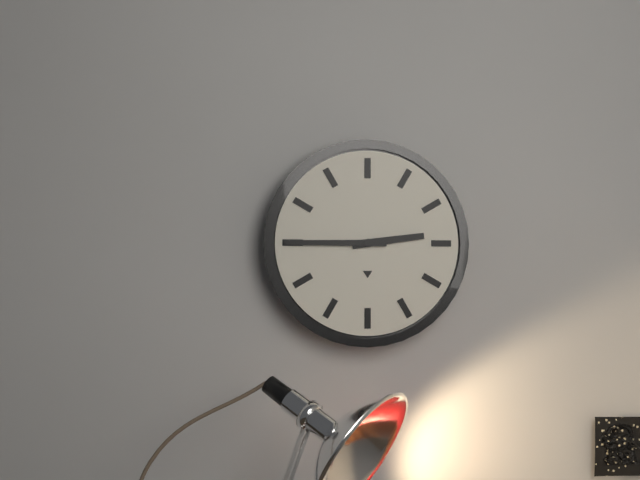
h=2 m=45
